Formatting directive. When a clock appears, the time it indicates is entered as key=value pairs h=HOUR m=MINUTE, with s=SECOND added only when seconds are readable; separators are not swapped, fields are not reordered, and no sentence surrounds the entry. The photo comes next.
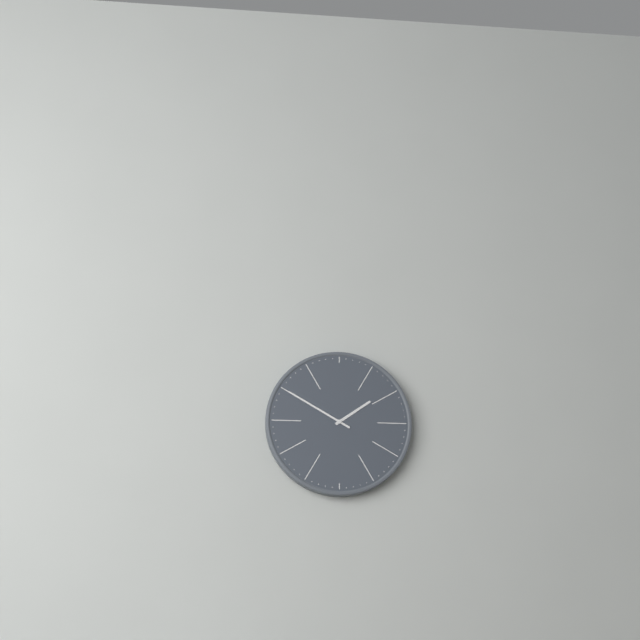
h=1 m=50
